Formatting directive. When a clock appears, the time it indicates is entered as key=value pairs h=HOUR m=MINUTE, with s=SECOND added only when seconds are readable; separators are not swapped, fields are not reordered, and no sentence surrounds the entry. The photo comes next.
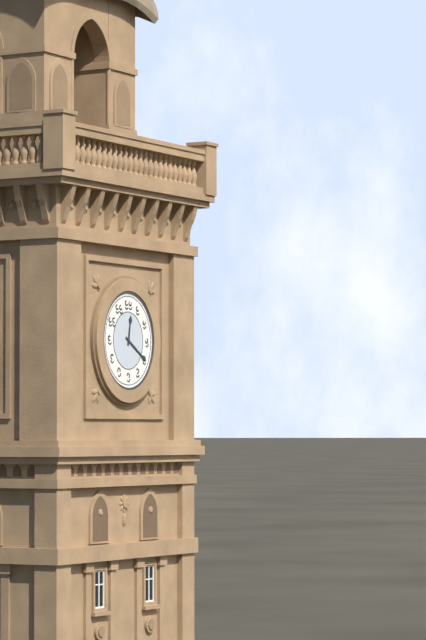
h=12 m=20
